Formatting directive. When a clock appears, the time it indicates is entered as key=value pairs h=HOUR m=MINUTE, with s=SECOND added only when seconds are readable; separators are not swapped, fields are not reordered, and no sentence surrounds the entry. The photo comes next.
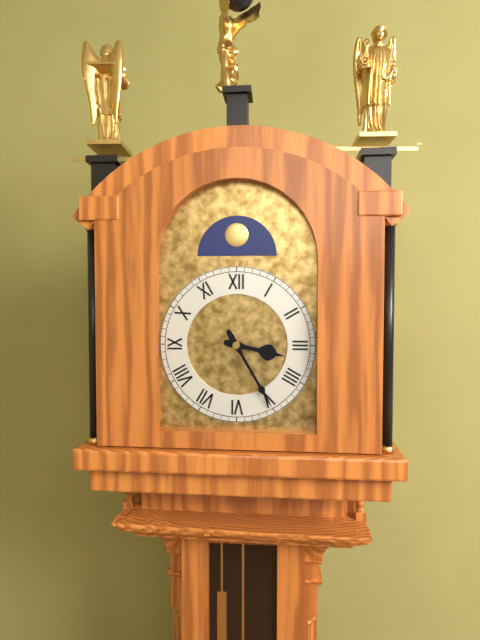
h=3 m=25
